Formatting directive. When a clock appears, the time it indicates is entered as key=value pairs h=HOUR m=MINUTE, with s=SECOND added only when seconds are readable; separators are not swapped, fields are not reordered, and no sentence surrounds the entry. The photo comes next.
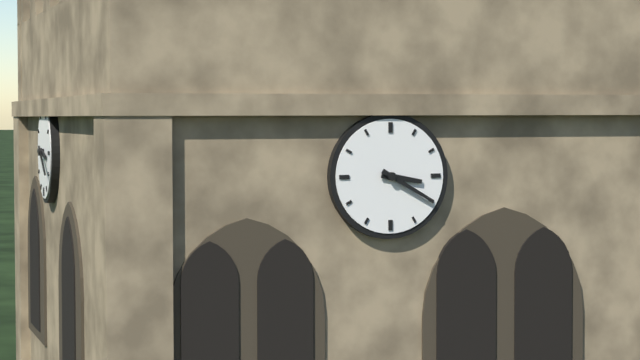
h=3 m=20
